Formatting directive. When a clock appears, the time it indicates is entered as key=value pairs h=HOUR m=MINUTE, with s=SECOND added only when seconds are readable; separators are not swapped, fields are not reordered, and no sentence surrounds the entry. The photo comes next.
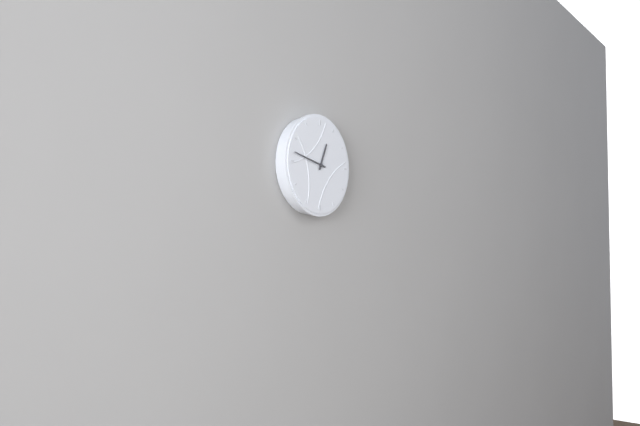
h=12 m=47
